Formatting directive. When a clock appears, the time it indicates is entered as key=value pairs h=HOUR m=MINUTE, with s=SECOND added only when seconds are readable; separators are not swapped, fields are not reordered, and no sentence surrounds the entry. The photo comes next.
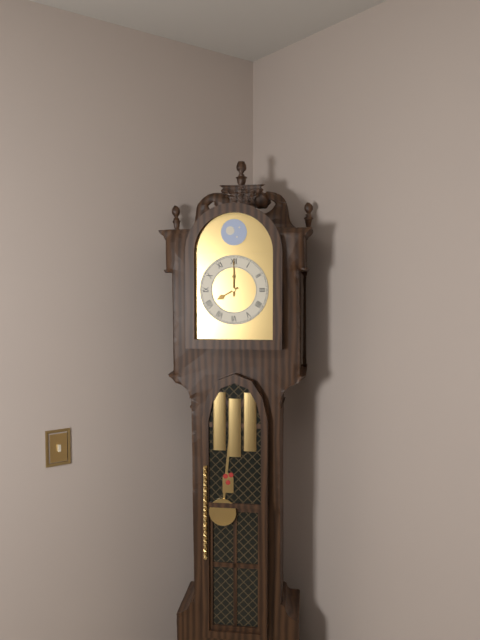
h=8 m=0
